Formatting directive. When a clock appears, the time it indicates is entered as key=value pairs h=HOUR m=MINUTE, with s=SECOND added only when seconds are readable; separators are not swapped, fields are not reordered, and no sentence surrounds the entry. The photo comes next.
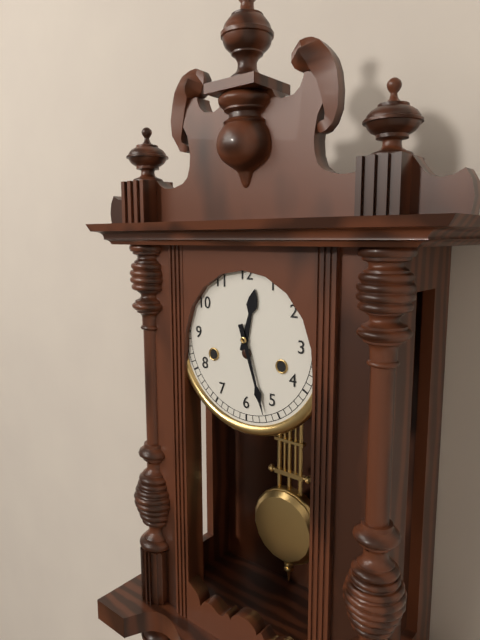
h=12 m=27
